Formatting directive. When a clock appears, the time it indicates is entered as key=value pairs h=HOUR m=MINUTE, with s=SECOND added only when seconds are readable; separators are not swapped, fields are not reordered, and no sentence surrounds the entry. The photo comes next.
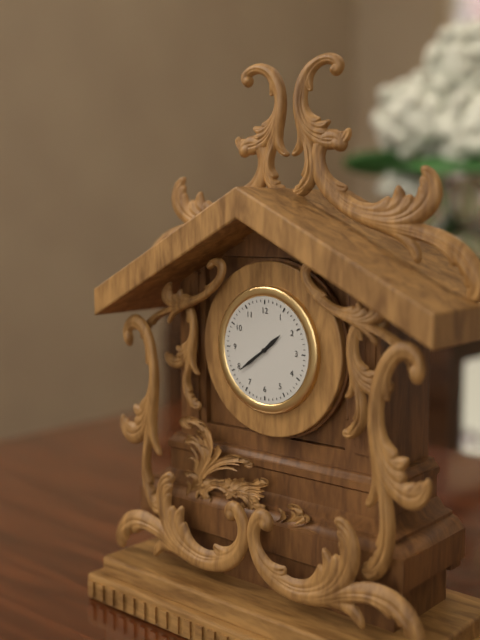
h=1 m=39
